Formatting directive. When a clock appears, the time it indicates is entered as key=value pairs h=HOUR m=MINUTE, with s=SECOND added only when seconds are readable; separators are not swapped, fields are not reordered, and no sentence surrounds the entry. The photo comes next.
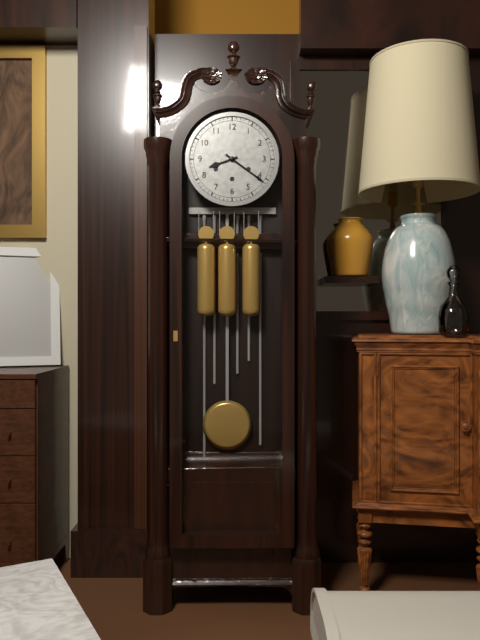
h=8 m=21
